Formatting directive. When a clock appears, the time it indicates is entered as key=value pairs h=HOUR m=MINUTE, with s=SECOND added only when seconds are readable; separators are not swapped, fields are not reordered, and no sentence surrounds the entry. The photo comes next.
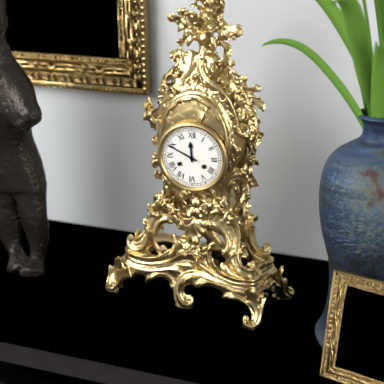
h=11 m=49
